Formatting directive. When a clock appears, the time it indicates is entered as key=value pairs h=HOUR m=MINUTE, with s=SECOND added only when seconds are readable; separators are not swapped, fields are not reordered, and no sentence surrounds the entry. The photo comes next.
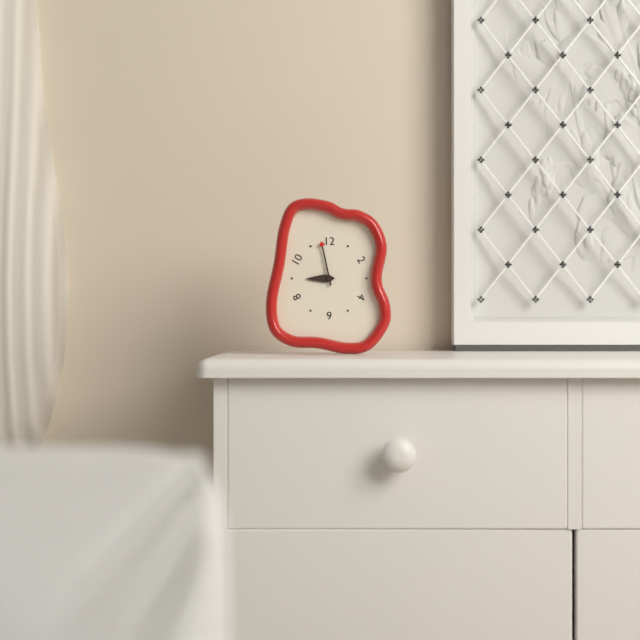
h=8 m=58
